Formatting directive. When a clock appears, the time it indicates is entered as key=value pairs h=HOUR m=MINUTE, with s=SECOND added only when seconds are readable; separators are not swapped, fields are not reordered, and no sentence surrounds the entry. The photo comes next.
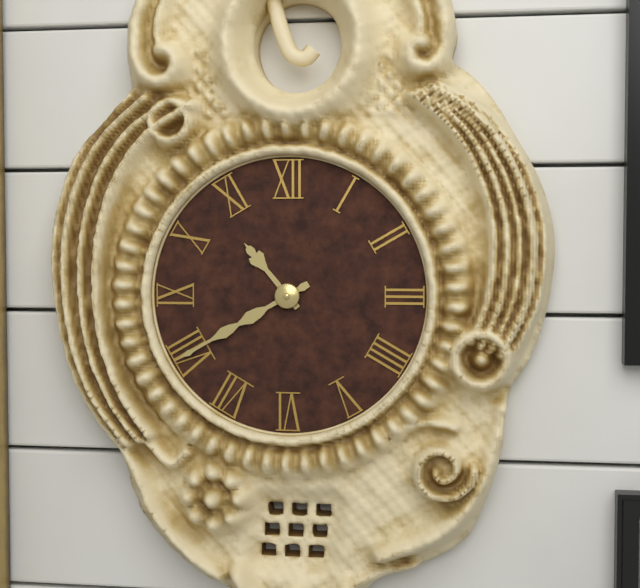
h=10 m=40
